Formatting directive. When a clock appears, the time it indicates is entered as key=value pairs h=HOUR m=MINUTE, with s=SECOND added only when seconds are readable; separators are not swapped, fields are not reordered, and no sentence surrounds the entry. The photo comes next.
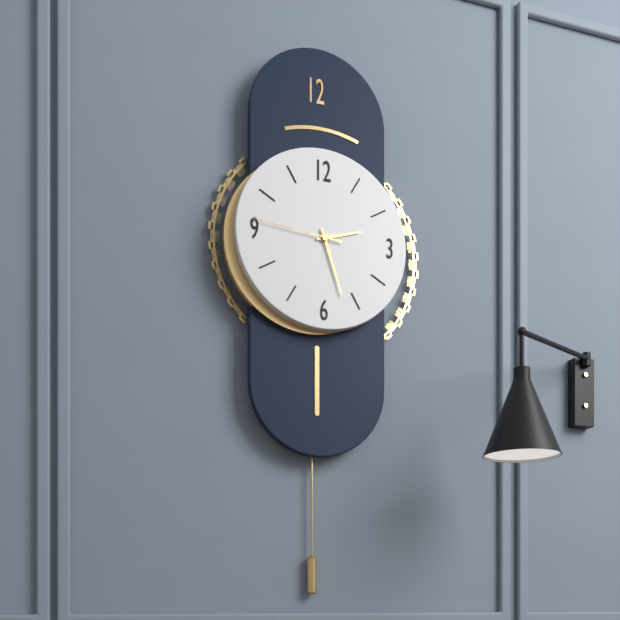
h=2 m=27 s=46
